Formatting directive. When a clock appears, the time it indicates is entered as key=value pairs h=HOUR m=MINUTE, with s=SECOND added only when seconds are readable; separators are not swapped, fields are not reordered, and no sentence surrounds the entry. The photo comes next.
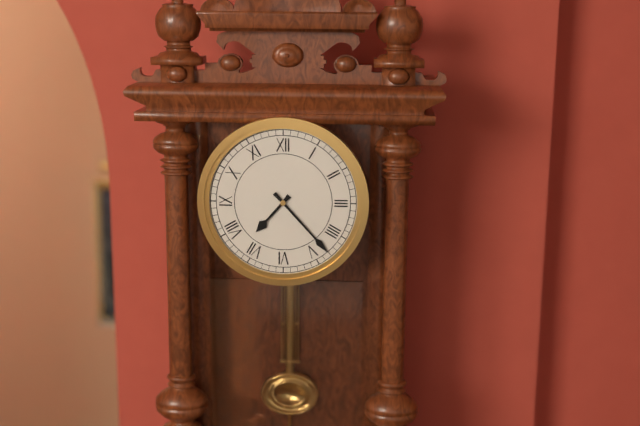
h=7 m=23
